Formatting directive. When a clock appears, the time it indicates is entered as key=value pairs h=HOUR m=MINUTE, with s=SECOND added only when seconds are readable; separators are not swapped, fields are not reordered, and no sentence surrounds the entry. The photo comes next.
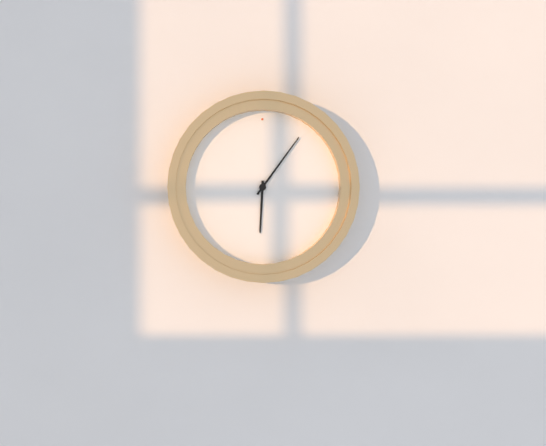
h=6 m=6
